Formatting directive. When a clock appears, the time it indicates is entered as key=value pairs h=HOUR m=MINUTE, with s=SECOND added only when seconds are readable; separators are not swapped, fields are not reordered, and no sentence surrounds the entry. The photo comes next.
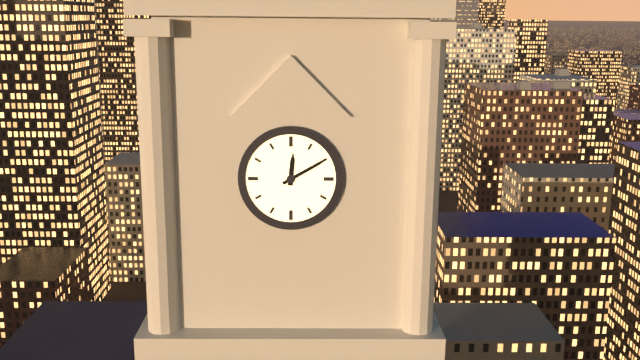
h=12 m=10
